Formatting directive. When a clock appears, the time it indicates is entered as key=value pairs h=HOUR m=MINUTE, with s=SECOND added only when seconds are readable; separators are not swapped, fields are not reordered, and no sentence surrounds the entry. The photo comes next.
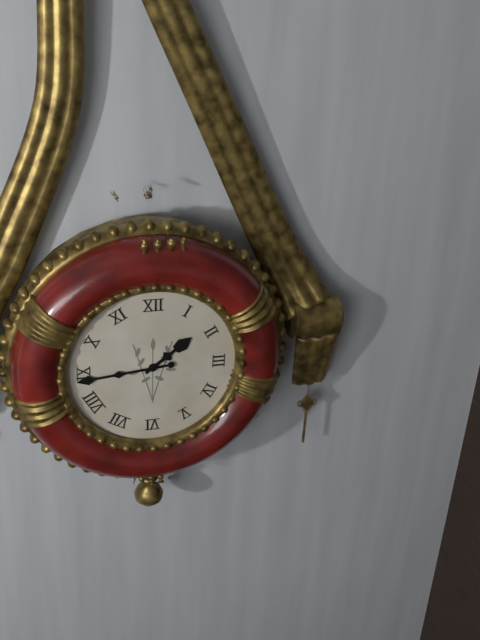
h=1 m=44
